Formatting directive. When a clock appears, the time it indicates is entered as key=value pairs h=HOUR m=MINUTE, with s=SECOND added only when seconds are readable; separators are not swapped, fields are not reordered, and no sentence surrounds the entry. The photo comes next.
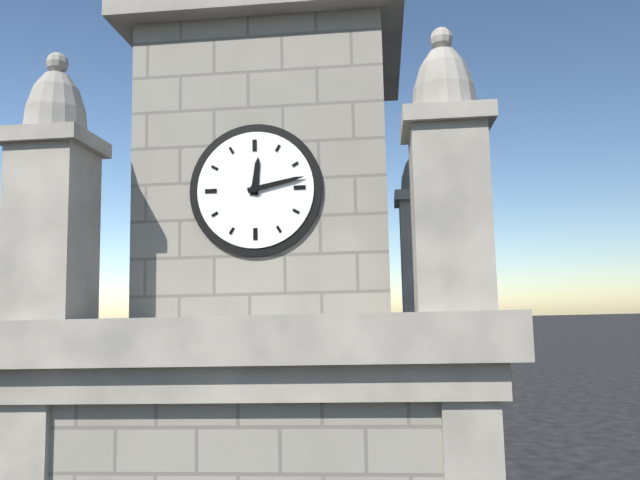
h=12 m=13
